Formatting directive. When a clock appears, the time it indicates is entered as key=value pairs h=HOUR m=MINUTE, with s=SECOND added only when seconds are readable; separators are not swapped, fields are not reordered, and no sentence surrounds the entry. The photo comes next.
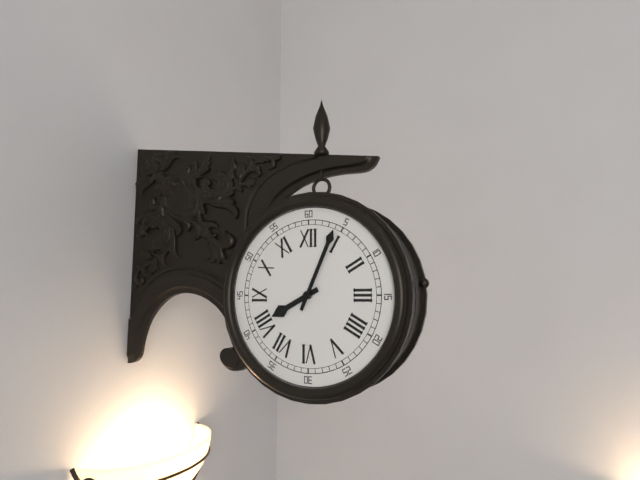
h=8 m=4
